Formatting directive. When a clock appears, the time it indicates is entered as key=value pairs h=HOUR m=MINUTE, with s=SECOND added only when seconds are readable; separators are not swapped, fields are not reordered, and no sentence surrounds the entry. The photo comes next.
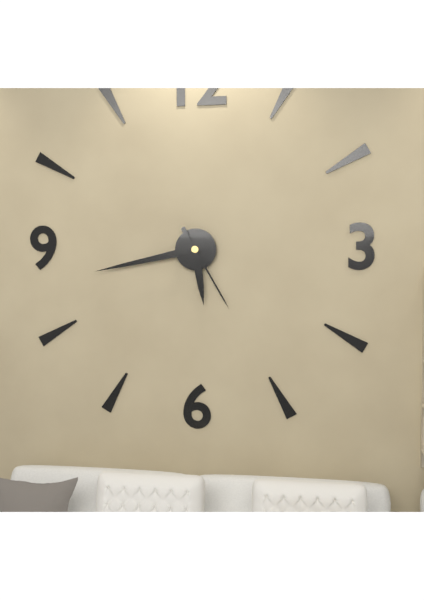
h=5 m=43 s=25
